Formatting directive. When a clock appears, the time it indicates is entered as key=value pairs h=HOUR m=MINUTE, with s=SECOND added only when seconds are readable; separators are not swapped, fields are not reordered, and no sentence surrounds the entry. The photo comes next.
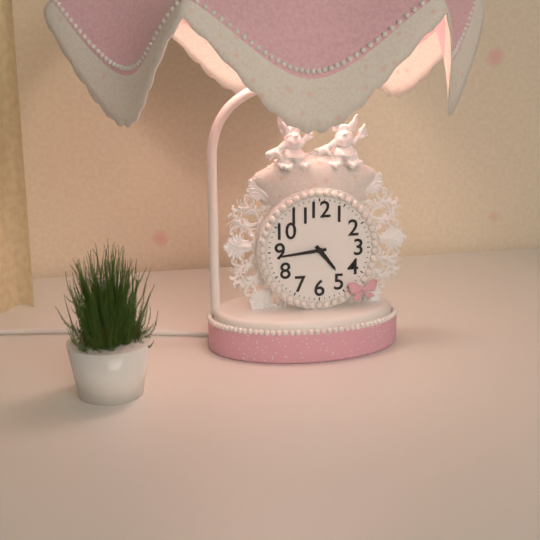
h=4 m=44
